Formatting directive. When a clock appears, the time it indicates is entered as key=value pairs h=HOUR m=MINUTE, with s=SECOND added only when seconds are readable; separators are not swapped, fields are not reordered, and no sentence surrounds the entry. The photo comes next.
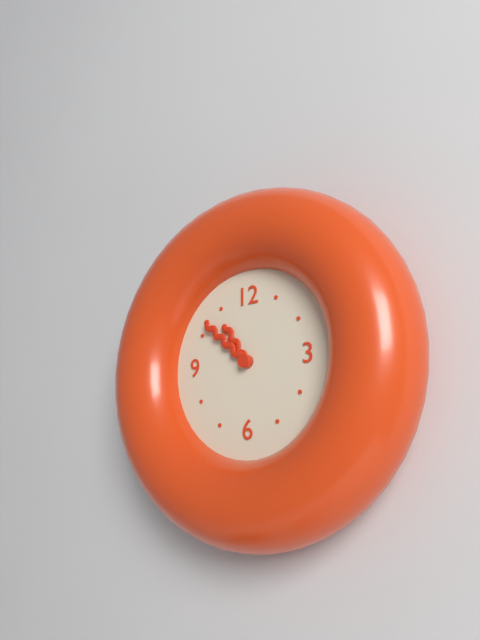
h=10 m=52
